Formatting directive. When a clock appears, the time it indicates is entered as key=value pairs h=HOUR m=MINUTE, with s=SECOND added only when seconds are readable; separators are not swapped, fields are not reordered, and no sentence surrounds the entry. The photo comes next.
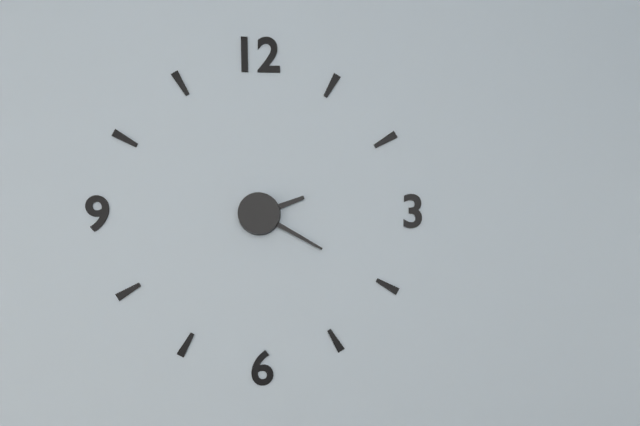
h=2 m=20
